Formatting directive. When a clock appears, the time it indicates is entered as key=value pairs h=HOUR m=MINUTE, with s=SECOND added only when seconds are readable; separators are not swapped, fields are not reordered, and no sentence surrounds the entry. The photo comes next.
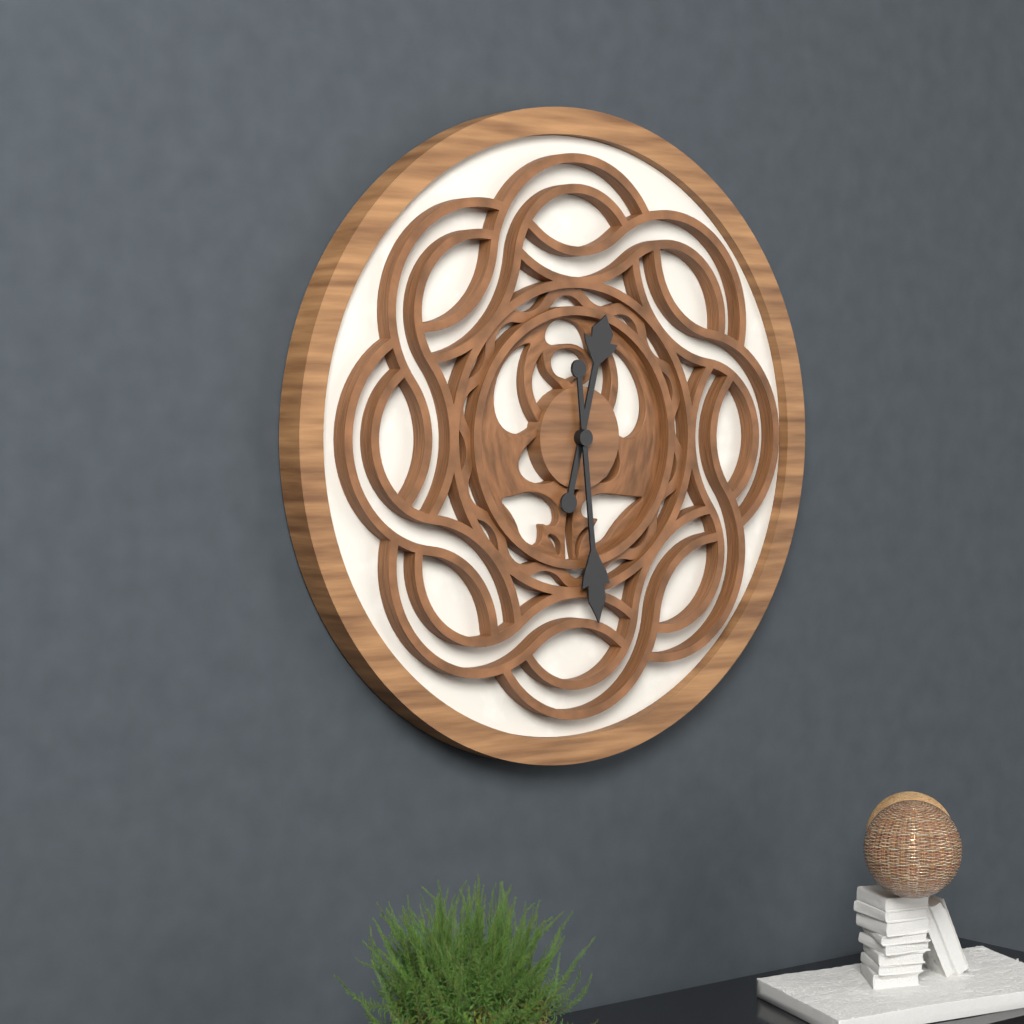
h=12 m=29
